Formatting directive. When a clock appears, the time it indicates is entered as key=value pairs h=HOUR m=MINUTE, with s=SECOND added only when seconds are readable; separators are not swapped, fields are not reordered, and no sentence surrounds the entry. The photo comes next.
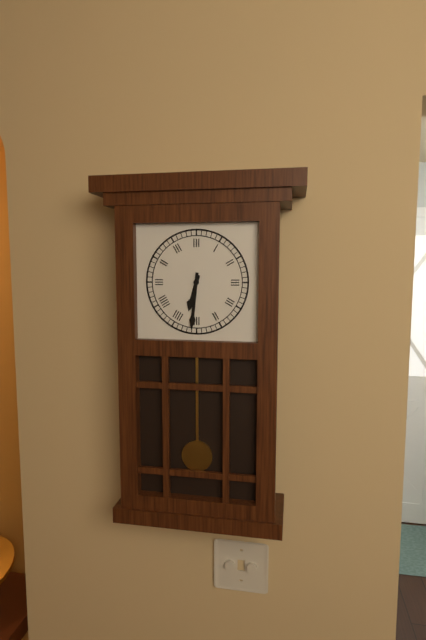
h=6 m=31
